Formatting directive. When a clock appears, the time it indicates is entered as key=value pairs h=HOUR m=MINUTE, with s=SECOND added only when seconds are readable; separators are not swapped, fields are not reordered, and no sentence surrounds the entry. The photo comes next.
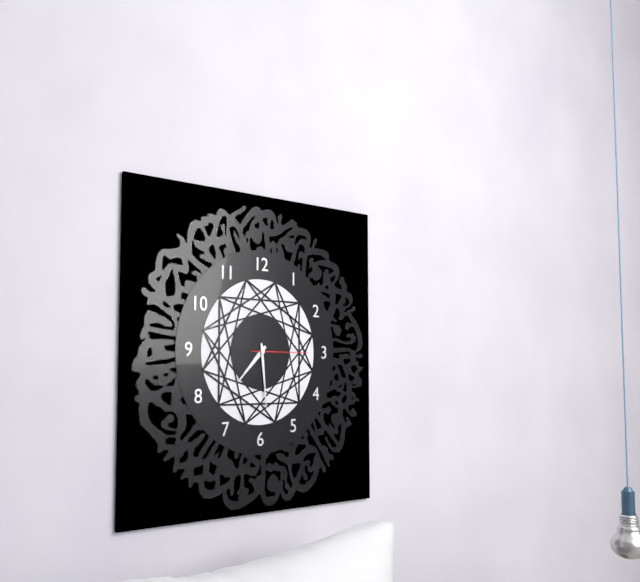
h=7 m=29 s=15
